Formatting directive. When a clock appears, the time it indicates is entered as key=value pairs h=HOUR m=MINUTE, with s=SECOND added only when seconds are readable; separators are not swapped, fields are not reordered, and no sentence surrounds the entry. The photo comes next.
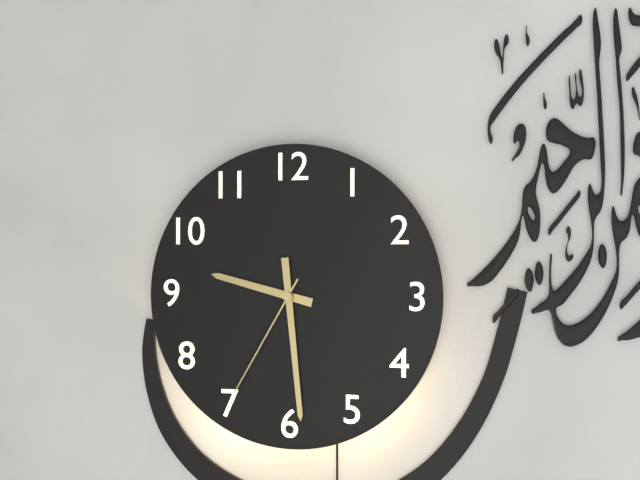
h=9 m=29 s=35
